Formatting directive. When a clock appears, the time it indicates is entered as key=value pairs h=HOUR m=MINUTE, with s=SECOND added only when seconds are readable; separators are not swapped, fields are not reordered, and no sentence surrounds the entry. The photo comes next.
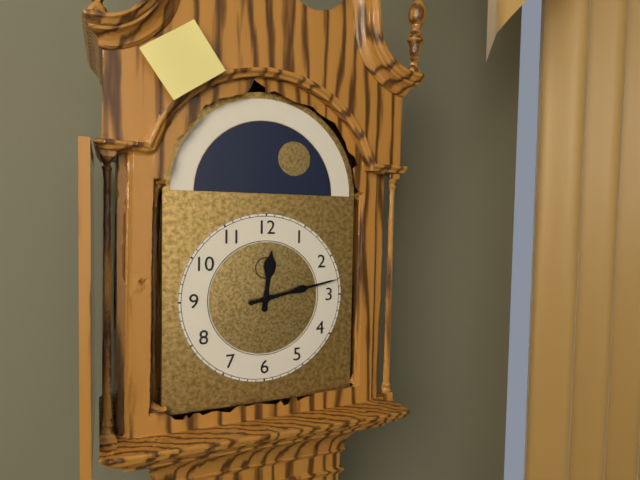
h=12 m=13
